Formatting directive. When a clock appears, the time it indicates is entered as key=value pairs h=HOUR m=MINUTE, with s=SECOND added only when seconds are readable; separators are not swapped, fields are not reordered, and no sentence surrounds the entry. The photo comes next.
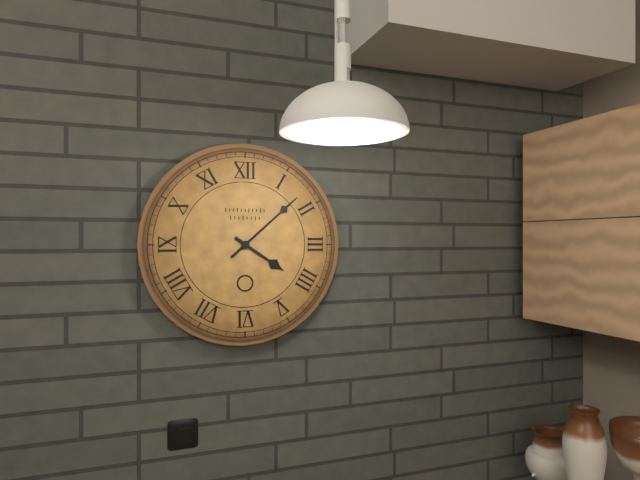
h=4 m=8
